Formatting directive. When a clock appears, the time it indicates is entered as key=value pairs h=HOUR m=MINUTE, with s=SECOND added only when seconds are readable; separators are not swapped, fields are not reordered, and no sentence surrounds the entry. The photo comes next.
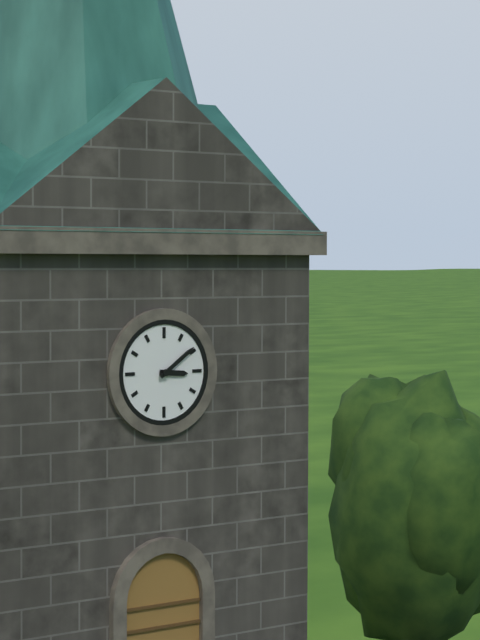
h=3 m=9
